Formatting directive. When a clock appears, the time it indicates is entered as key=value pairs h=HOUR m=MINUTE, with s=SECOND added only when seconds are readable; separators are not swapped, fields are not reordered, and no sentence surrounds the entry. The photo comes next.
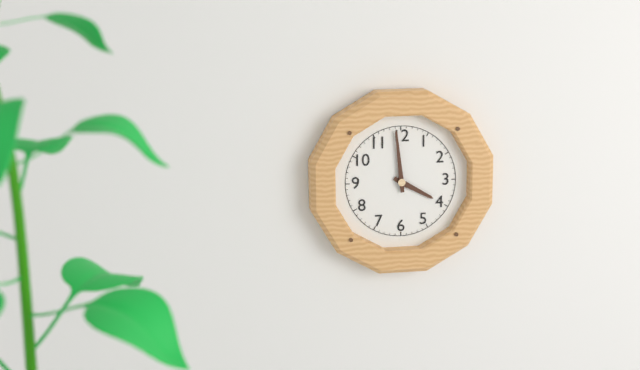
h=3 m=59
